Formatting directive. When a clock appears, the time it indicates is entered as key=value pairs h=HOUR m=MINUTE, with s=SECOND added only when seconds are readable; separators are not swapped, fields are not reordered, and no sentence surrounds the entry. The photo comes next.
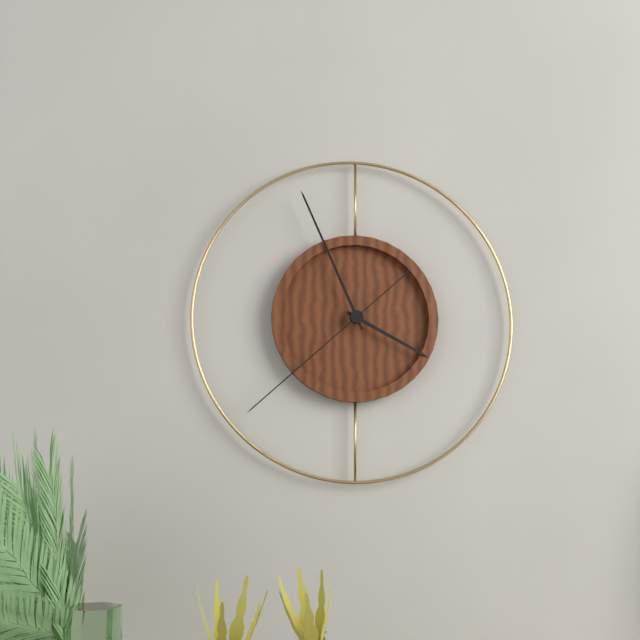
h=3 m=56 s=38
